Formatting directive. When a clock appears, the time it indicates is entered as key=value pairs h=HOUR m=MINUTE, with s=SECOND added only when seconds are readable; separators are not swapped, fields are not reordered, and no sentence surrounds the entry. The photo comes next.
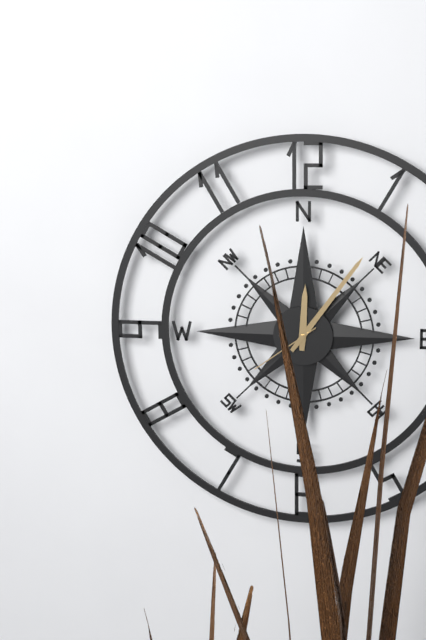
h=12 m=6 s=39
